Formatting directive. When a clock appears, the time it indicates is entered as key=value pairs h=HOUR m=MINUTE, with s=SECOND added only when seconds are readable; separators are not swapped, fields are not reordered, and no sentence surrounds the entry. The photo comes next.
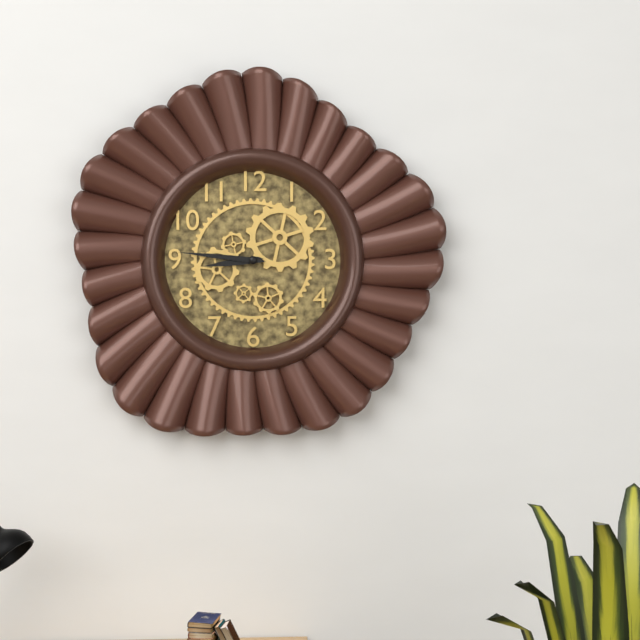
h=8 m=46
